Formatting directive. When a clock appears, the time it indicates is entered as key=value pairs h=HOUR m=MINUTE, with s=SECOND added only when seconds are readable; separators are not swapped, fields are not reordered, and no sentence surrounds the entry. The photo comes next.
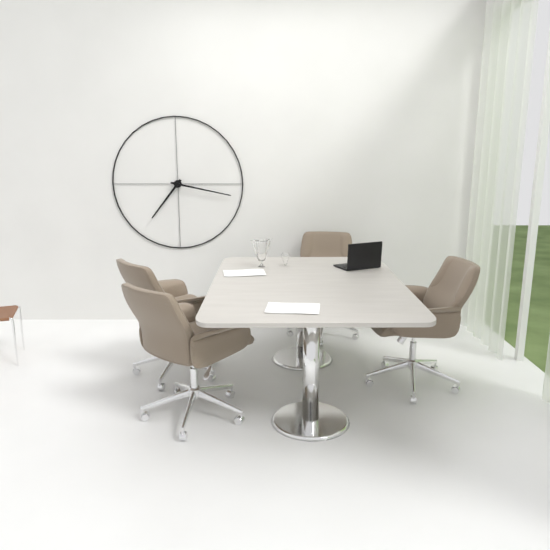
h=7 m=17
